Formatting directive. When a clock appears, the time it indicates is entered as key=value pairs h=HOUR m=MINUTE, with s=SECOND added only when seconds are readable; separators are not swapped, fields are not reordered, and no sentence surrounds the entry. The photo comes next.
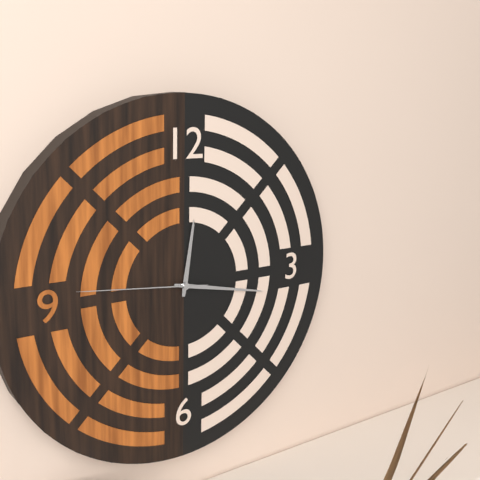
h=12 m=17 s=46
